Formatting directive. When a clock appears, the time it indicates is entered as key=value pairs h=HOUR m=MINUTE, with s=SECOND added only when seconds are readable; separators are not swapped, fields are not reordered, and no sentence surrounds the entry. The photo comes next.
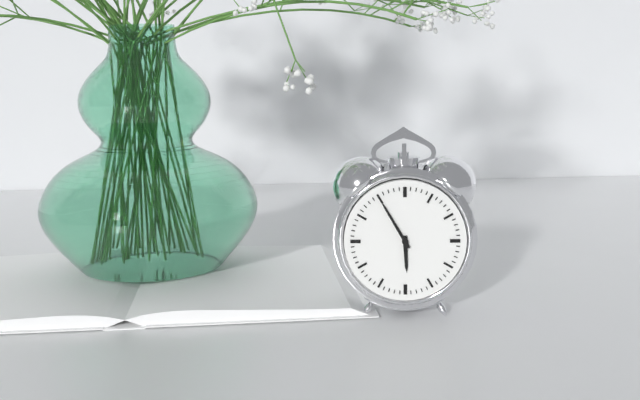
h=5 m=55
